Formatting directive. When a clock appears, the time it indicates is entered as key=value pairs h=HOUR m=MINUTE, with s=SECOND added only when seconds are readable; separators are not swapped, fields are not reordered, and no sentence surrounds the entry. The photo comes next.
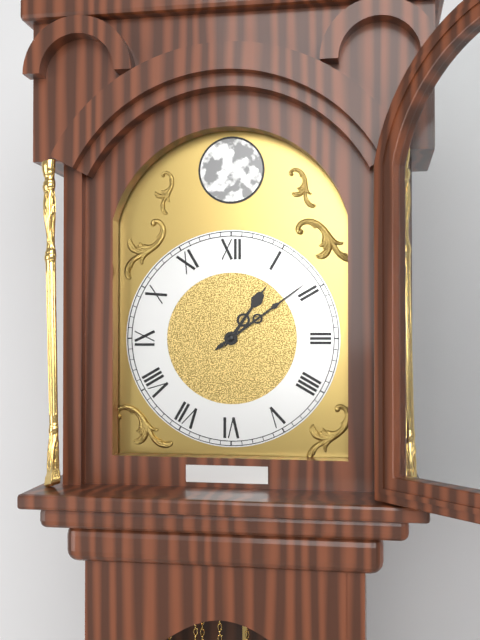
h=1 m=9
